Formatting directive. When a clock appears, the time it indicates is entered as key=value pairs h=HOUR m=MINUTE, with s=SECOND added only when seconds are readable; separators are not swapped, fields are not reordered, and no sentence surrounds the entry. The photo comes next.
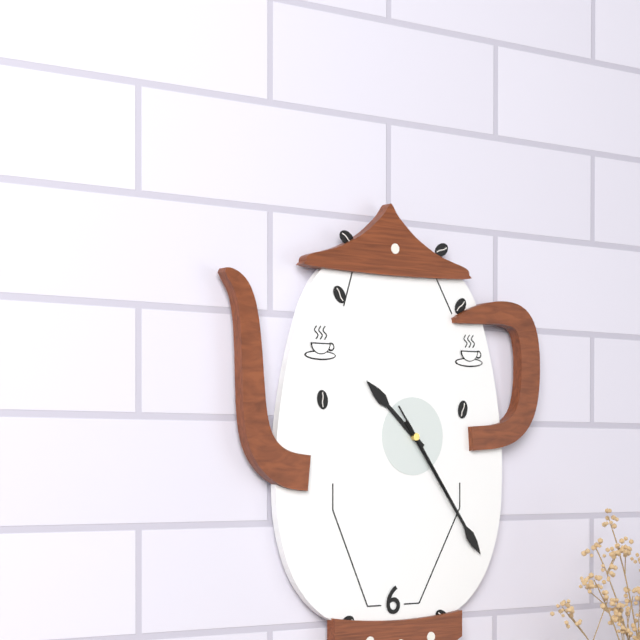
h=10 m=24 s=24
